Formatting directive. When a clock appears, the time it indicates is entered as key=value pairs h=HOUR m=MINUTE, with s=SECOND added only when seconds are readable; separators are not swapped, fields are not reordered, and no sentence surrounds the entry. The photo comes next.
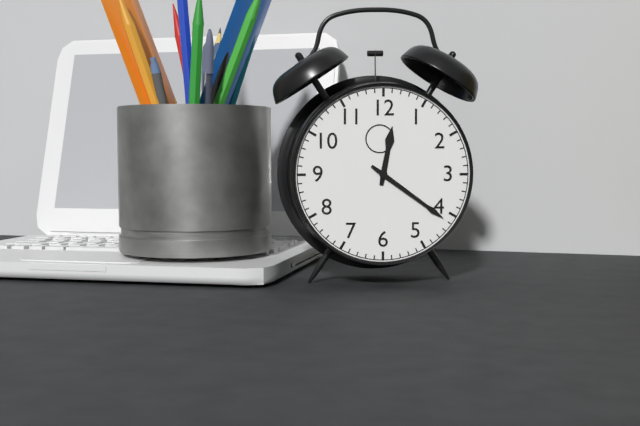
h=12 m=21
